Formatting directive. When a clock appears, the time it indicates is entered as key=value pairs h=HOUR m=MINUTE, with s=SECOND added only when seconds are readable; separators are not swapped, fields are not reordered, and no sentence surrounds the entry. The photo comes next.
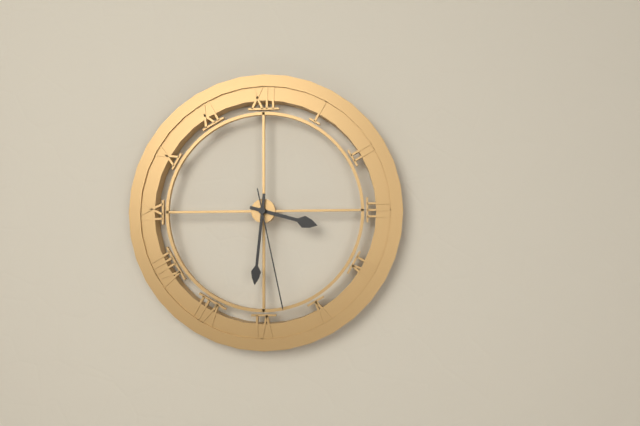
h=3 m=31 s=28
